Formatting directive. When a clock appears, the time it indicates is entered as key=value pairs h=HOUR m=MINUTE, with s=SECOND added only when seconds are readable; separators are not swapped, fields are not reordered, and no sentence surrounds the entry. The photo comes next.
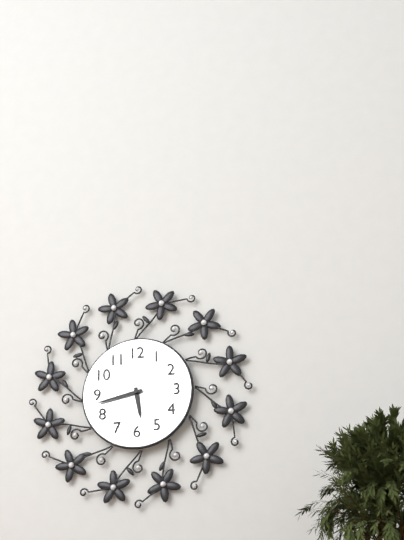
h=5 m=43
